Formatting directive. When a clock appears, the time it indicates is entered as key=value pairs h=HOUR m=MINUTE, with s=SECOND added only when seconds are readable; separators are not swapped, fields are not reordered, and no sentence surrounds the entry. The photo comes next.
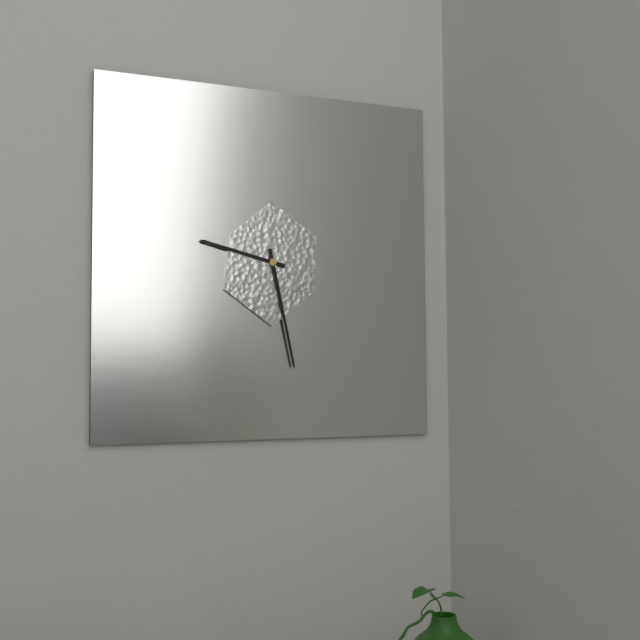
h=9 m=28
